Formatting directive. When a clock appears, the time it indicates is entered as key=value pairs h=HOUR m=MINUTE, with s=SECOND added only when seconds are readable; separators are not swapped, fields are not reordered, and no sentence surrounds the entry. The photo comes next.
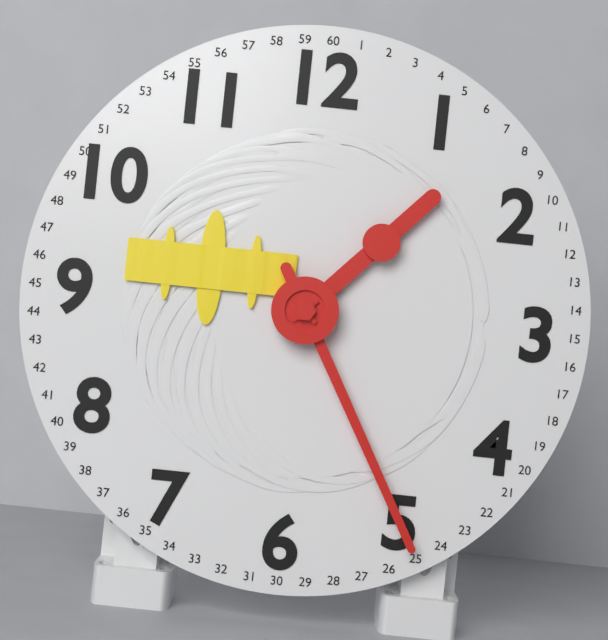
h=1 m=25
